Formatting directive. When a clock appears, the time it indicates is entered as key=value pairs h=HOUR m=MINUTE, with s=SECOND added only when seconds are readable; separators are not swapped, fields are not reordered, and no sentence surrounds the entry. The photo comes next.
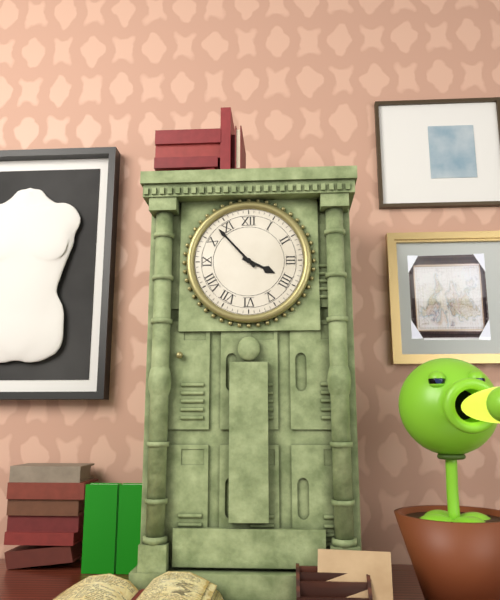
h=3 m=53
